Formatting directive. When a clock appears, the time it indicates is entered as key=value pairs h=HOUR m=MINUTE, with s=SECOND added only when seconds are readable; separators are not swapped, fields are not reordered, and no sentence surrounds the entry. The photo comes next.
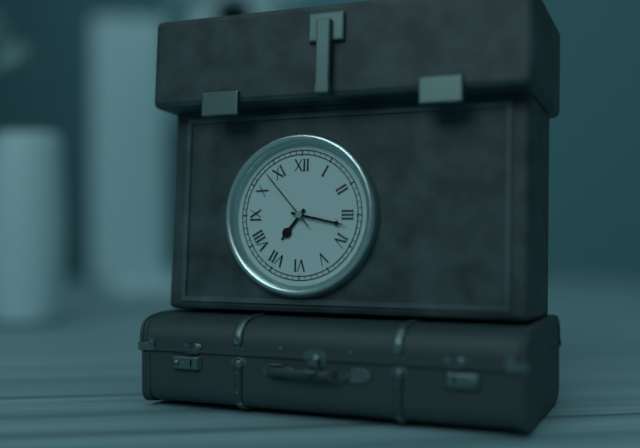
h=7 m=17 s=53
